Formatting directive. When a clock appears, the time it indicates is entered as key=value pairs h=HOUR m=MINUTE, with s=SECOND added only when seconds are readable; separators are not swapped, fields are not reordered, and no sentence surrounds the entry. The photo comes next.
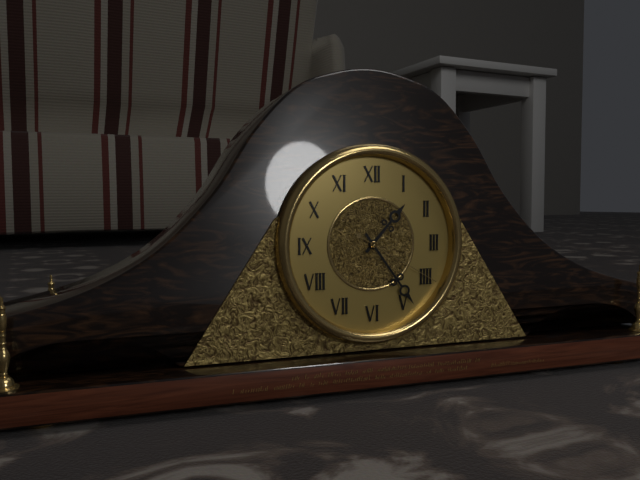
h=1 m=24 s=20
